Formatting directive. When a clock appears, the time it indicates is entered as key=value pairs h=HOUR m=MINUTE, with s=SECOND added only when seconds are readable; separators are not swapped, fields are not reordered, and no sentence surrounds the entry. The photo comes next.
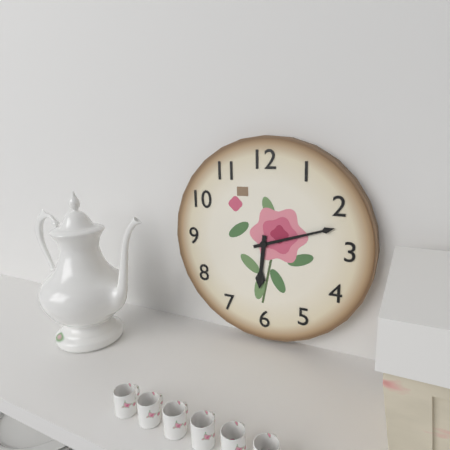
h=6 m=12
